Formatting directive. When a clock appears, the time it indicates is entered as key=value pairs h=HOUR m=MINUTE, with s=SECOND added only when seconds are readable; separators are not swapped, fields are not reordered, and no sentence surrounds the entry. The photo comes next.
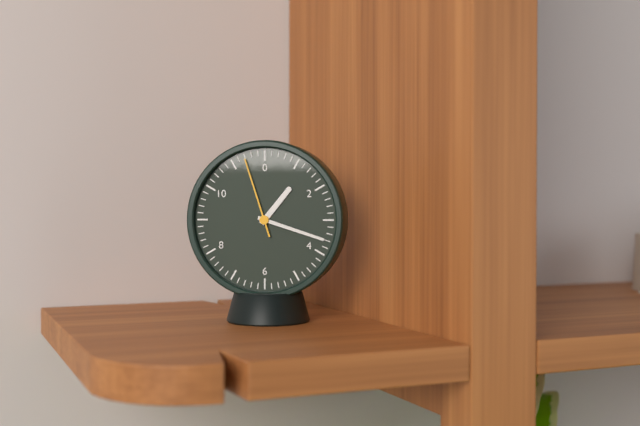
h=1 m=18 s=57
